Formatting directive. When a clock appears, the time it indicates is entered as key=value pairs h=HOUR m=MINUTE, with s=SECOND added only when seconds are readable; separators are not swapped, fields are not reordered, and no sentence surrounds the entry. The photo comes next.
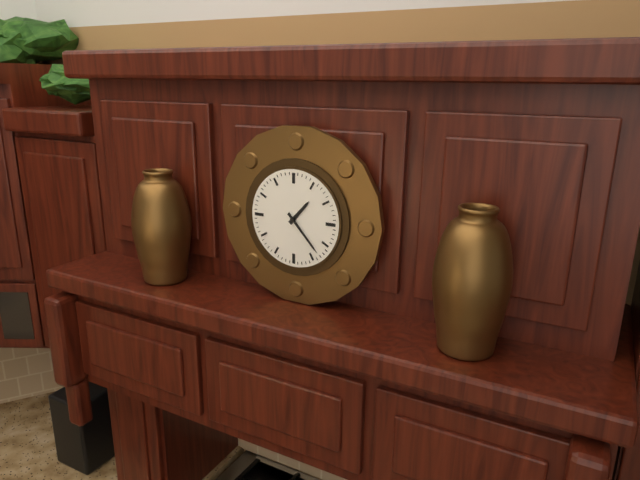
h=1 m=23
